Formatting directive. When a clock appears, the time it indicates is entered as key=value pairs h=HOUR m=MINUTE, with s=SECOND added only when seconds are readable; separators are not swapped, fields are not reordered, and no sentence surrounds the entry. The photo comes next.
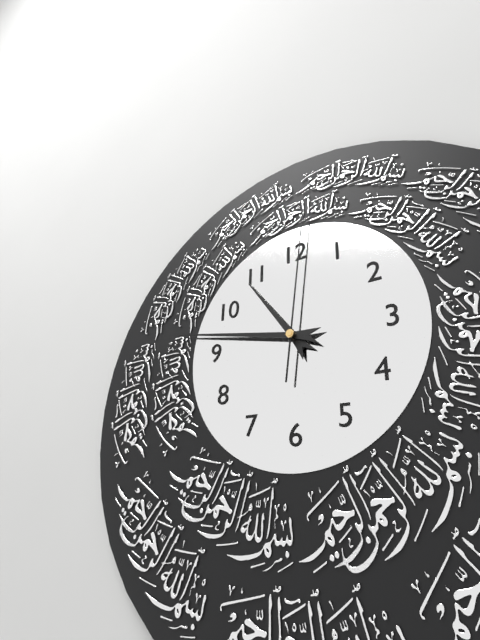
h=10 m=47 s=1
